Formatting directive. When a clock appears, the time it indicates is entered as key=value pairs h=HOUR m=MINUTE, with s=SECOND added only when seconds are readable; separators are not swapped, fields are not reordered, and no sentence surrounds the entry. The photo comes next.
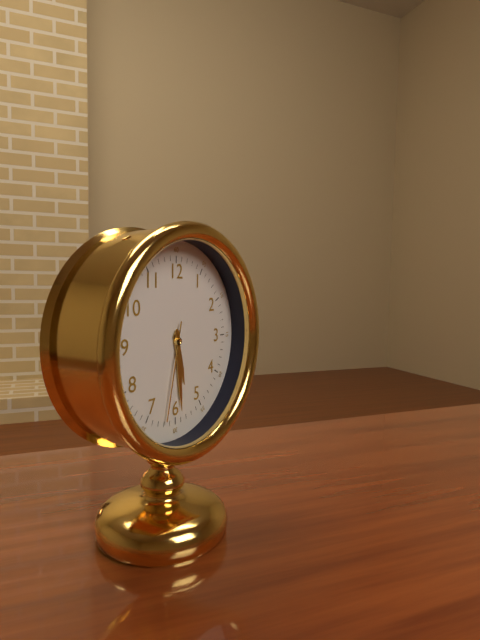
h=5 m=29 s=32
